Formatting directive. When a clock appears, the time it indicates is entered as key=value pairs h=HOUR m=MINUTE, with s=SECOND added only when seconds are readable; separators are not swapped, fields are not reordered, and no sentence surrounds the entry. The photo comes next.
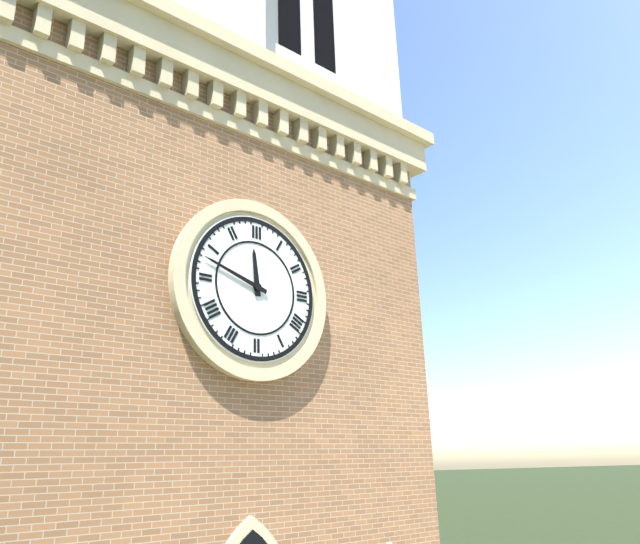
h=11 m=48
